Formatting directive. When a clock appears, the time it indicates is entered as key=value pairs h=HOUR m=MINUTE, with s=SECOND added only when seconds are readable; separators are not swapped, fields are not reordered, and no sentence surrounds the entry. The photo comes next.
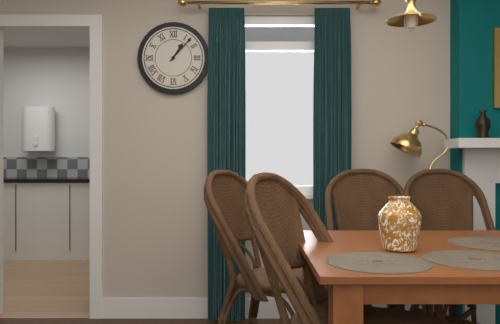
h=1 m=7
